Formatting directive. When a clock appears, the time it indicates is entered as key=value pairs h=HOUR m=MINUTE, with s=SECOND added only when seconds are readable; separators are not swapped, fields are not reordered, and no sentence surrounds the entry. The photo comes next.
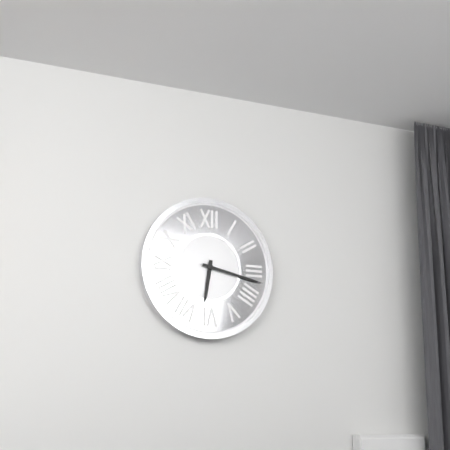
h=6 m=17
